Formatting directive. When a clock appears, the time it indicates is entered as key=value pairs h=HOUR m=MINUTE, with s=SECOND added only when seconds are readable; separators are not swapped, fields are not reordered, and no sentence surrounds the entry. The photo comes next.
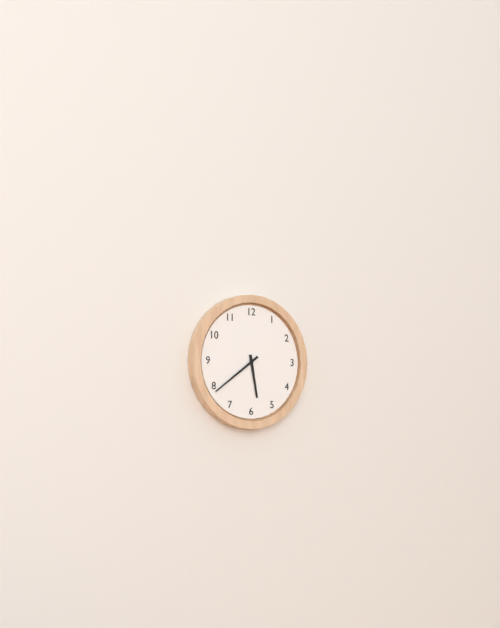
h=5 m=39
